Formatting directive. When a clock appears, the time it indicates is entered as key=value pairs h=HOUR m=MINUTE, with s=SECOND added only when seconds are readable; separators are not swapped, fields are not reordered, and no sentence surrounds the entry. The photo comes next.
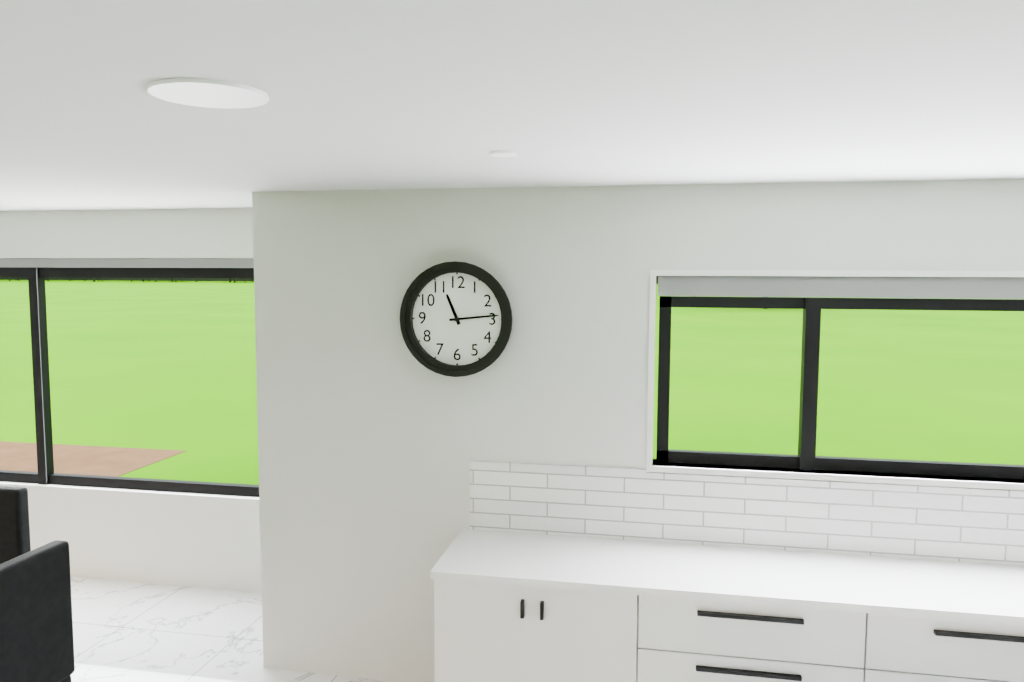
h=11 m=14
